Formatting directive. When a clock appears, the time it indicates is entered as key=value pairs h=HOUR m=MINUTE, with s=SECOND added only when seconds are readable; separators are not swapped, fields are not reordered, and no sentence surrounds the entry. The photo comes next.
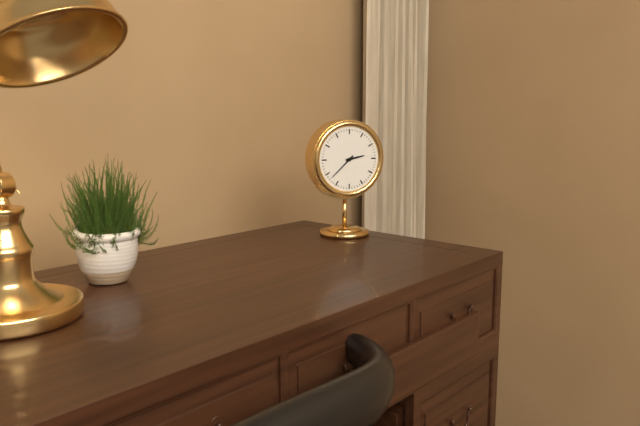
h=2 m=38
